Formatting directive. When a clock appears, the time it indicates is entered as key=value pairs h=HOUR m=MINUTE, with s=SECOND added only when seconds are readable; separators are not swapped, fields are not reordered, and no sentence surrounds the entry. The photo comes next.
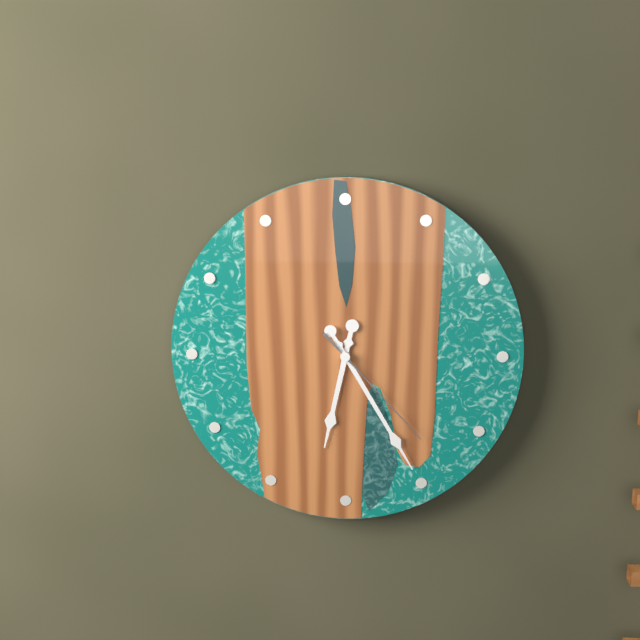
h=6 m=25 s=23
